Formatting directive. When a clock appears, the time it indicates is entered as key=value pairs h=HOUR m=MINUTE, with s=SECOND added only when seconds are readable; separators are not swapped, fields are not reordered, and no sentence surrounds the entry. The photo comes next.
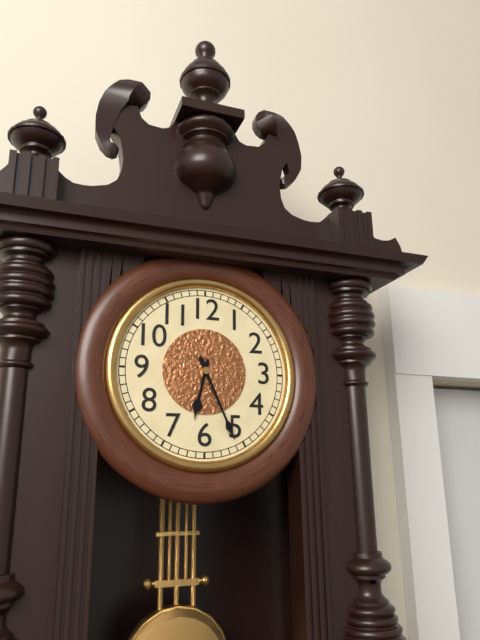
h=6 m=26
